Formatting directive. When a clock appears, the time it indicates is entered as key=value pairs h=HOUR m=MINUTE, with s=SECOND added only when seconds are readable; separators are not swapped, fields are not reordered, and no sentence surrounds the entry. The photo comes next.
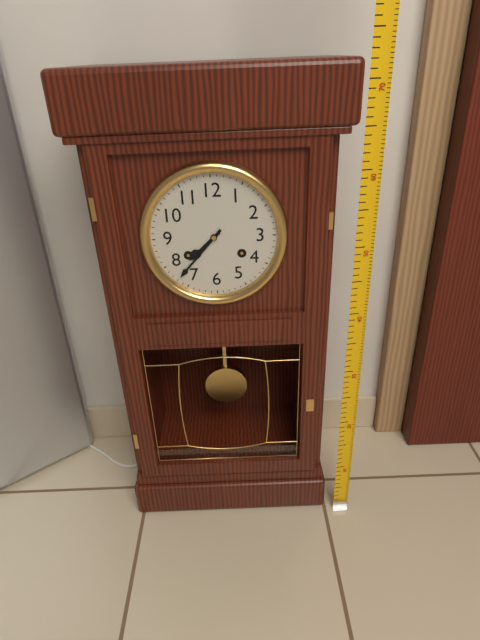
h=7 m=37
